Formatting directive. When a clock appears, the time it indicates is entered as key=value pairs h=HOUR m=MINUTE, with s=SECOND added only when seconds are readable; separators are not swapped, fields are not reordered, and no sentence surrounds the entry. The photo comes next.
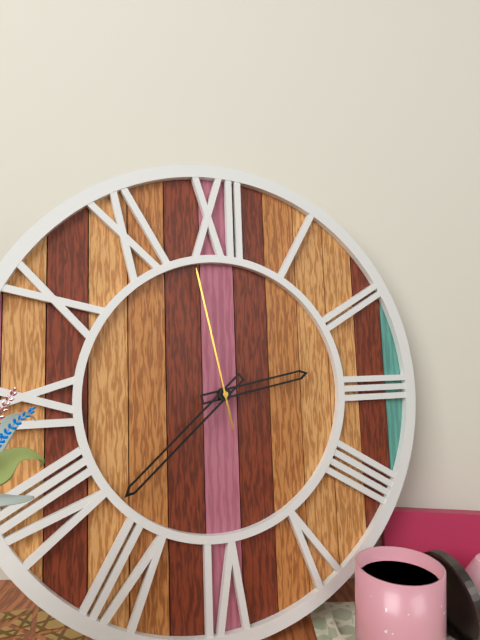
h=2 m=38 s=58
